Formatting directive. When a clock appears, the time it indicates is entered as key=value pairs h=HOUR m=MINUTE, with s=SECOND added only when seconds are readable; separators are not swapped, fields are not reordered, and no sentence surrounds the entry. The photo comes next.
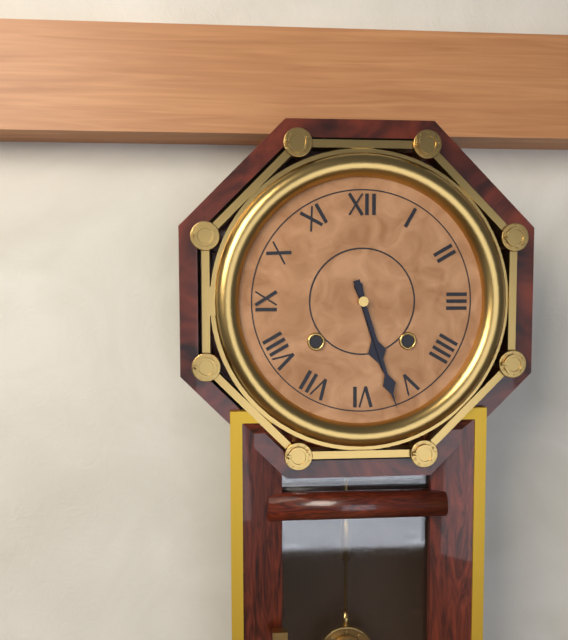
h=5 m=27
